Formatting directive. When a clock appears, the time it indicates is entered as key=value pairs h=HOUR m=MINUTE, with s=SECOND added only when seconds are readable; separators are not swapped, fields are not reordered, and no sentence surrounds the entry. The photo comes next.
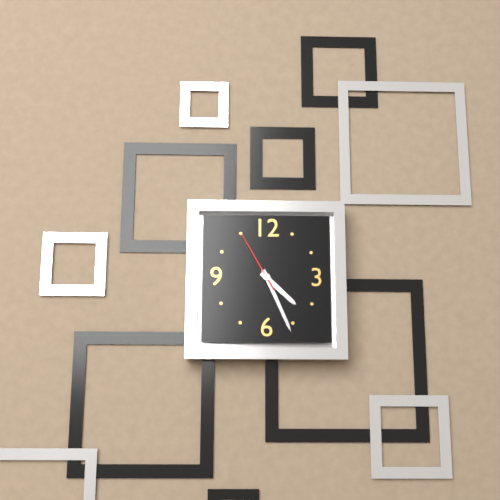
h=4 m=26 s=55
